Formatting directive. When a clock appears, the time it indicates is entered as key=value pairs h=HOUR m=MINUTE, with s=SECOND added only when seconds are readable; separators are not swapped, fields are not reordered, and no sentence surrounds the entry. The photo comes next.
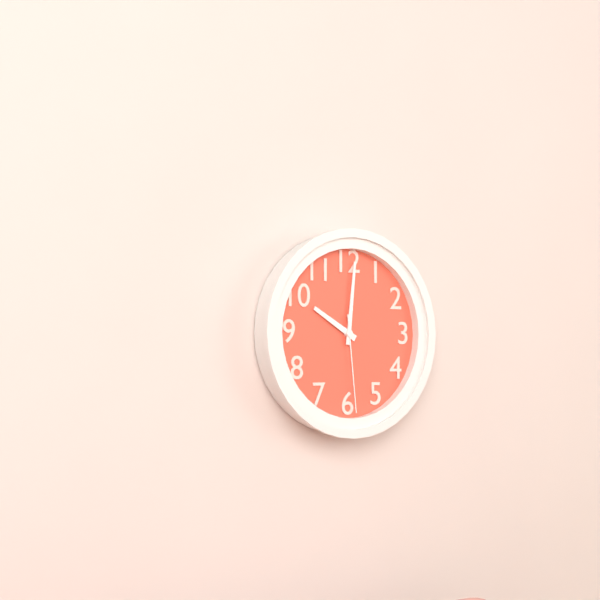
h=10 m=1 s=29
